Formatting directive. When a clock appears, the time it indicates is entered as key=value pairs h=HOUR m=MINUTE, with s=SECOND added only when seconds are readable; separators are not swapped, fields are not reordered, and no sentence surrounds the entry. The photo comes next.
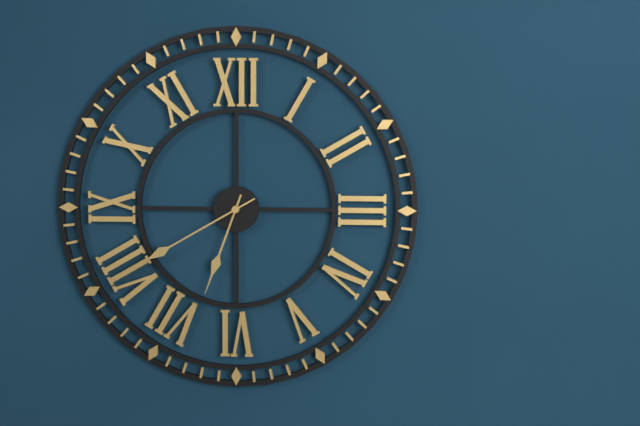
h=6 m=40
